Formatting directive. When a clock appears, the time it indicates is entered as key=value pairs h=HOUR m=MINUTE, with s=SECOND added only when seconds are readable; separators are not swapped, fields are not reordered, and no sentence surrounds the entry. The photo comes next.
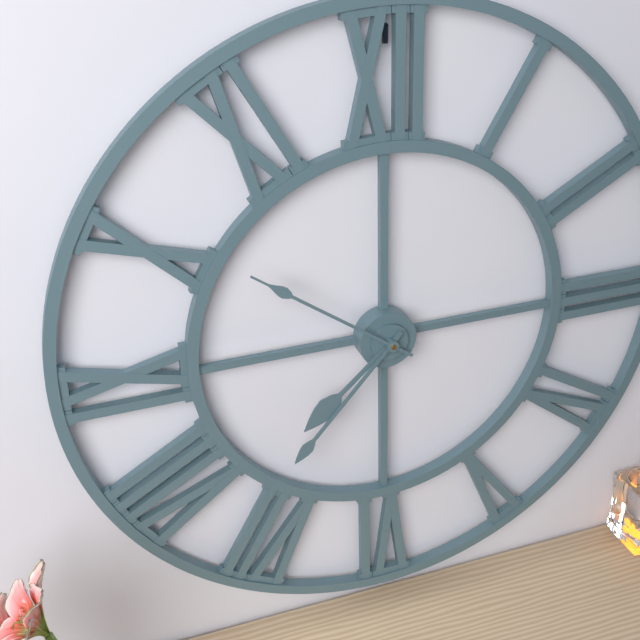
h=7 m=37 s=51
